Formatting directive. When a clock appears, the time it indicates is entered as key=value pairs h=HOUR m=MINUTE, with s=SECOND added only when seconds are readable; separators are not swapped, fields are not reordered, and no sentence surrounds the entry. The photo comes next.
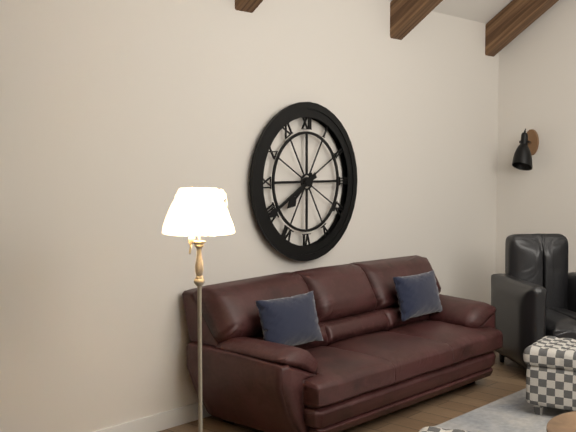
h=7 m=40
